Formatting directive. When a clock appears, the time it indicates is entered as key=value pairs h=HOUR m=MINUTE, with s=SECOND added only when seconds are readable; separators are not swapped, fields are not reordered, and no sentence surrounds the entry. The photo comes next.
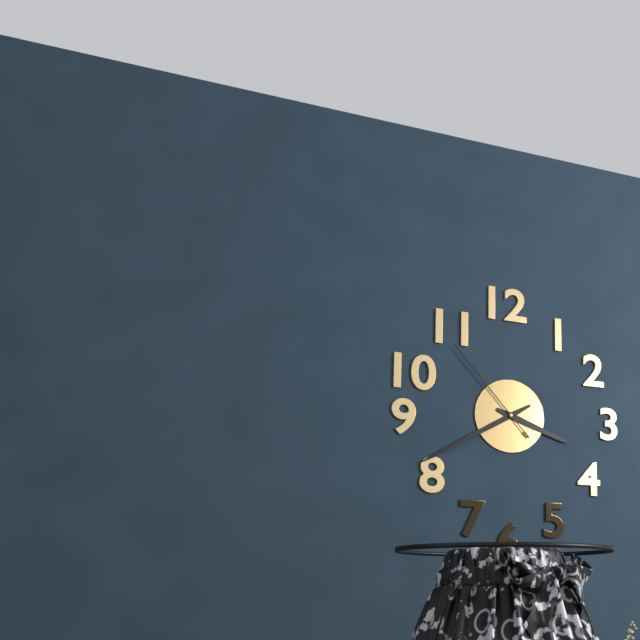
h=3 m=40 s=53
